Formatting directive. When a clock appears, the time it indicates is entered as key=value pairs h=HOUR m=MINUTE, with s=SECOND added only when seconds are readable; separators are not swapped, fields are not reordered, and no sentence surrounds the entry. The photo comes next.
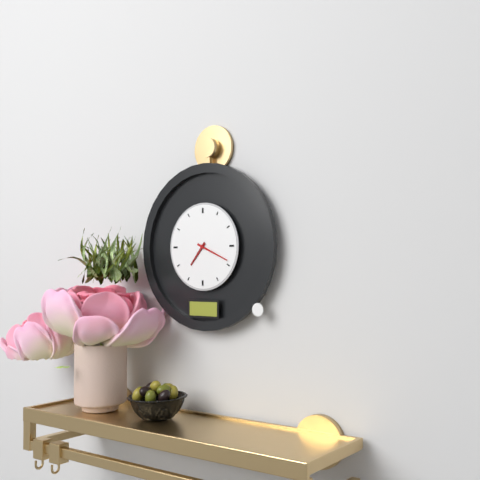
h=7 m=19
